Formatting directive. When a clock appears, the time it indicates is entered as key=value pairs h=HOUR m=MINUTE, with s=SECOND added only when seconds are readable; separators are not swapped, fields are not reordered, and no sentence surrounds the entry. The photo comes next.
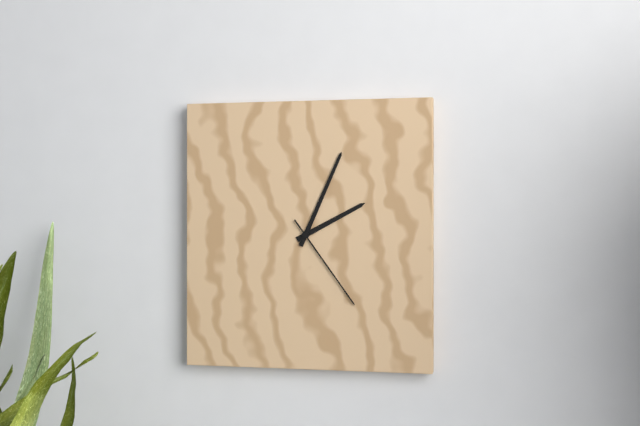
h=2 m=4 s=24
